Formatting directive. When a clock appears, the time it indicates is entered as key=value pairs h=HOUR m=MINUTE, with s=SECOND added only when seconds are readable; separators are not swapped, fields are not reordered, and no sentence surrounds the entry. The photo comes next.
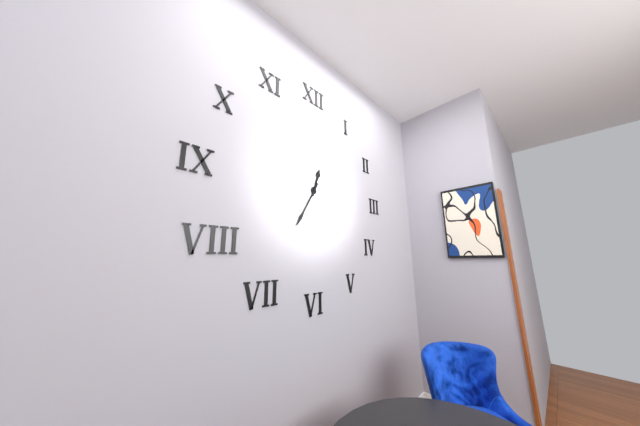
h=12 m=35
